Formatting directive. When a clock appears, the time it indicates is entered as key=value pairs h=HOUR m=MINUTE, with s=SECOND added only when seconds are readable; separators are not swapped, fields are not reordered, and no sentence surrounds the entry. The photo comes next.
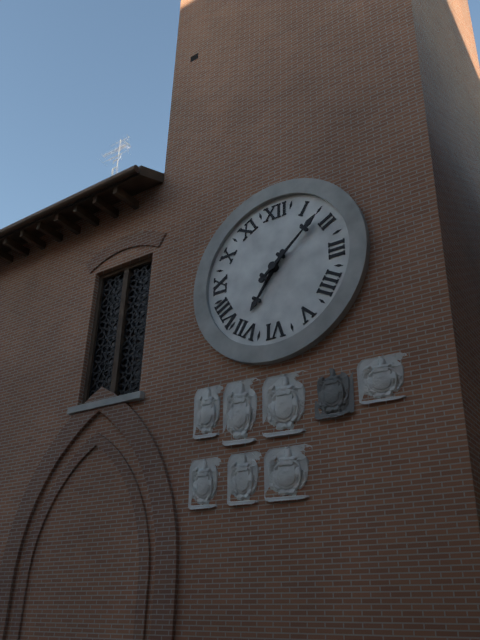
h=7 m=8
